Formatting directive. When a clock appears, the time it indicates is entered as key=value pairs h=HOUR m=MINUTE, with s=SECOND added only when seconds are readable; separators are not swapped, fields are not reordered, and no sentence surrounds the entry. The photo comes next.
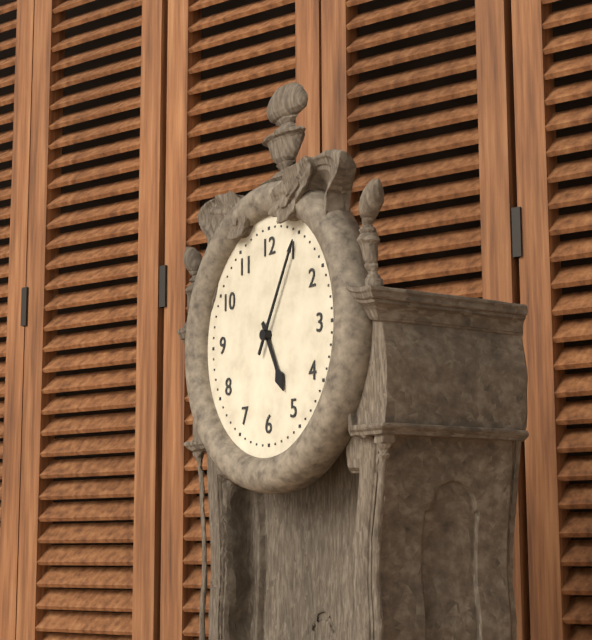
h=5 m=5
